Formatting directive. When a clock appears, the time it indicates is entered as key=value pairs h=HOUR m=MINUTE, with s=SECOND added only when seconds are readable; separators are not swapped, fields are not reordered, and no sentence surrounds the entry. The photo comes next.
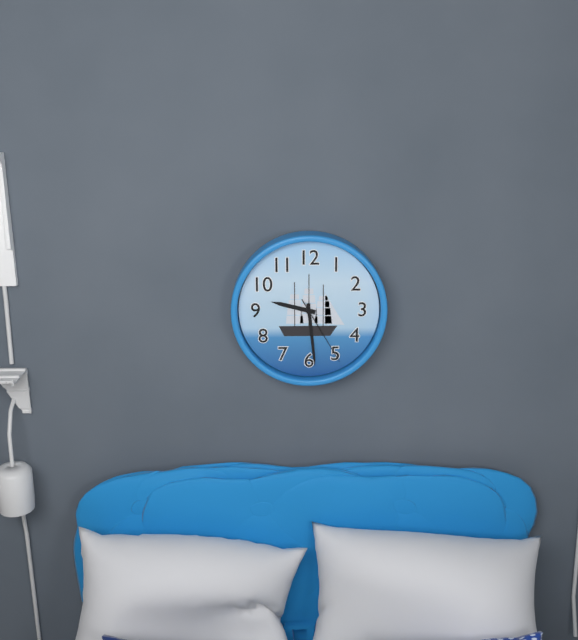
h=9 m=29 s=25
